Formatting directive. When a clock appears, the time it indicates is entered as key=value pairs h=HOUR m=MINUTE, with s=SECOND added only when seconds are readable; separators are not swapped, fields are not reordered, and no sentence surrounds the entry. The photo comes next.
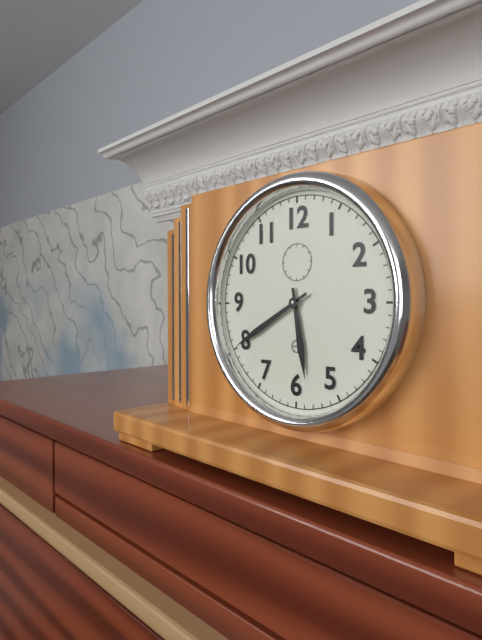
h=5 m=40
